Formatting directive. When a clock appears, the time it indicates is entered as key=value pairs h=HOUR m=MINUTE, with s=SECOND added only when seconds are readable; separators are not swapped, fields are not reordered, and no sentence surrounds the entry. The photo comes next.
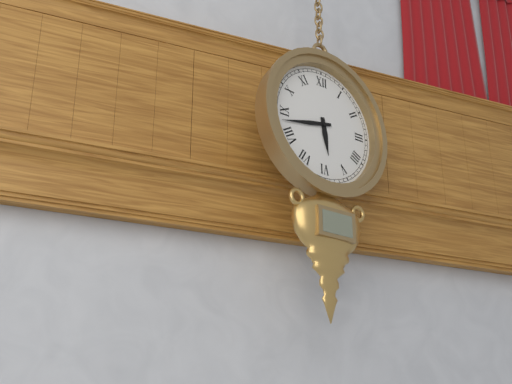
h=5 m=43
